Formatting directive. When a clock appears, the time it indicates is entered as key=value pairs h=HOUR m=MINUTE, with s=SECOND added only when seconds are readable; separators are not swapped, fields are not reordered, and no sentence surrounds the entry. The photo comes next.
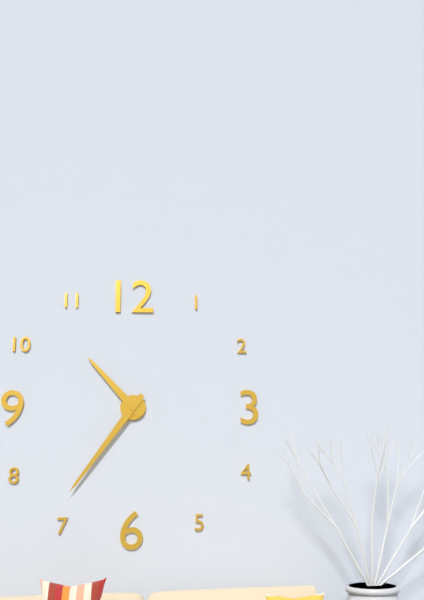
h=10 m=36
